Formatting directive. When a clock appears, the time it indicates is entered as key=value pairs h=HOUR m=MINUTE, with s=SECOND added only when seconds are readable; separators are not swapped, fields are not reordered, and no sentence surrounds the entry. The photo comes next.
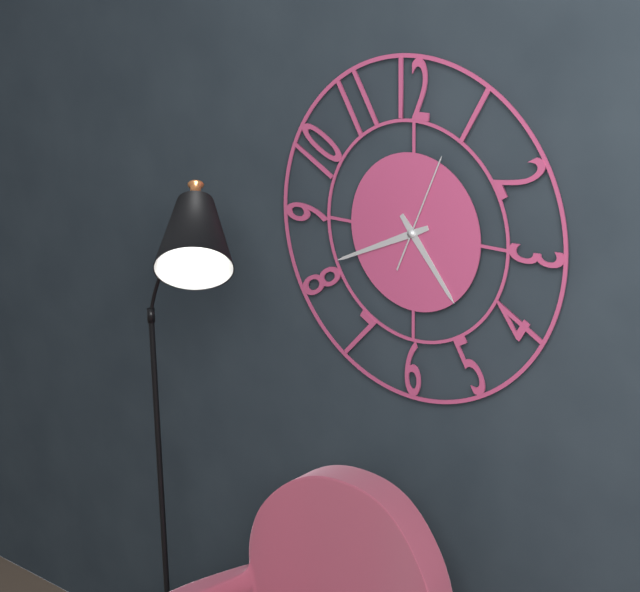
h=4 m=41 s=4
